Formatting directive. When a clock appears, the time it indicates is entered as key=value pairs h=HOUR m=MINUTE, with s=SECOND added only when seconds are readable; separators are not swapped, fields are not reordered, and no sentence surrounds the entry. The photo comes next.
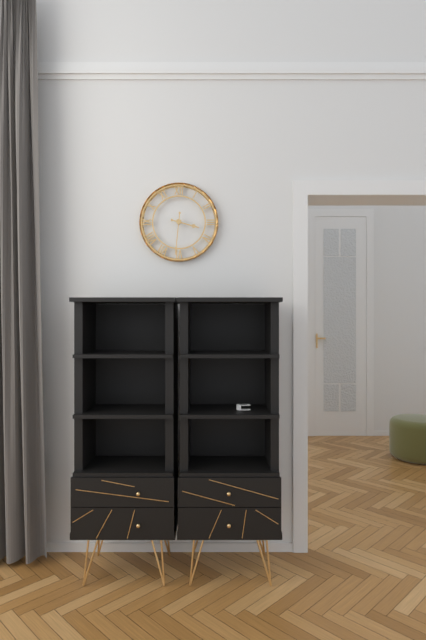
h=3 m=31
